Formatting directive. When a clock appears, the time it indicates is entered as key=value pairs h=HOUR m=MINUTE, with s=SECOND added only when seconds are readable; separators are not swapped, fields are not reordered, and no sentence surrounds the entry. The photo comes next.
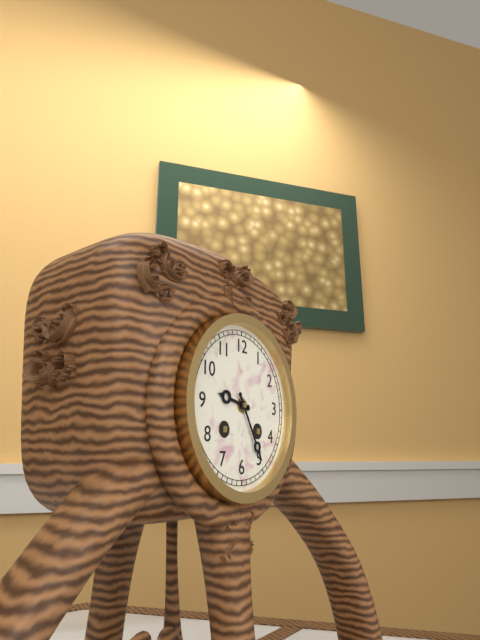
h=9 m=25
